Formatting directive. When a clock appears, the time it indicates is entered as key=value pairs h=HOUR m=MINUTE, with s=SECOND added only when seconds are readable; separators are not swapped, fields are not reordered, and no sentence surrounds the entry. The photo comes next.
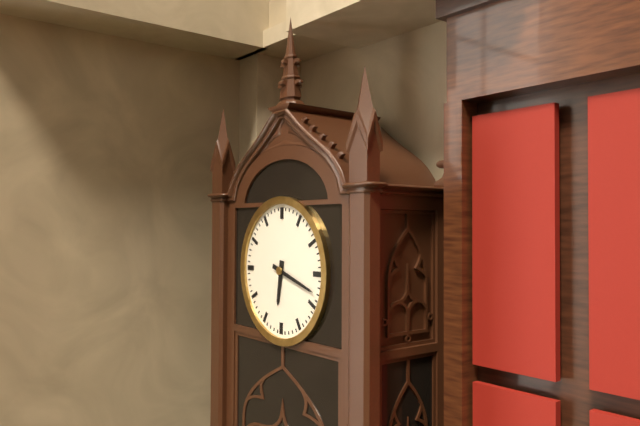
h=6 m=18
